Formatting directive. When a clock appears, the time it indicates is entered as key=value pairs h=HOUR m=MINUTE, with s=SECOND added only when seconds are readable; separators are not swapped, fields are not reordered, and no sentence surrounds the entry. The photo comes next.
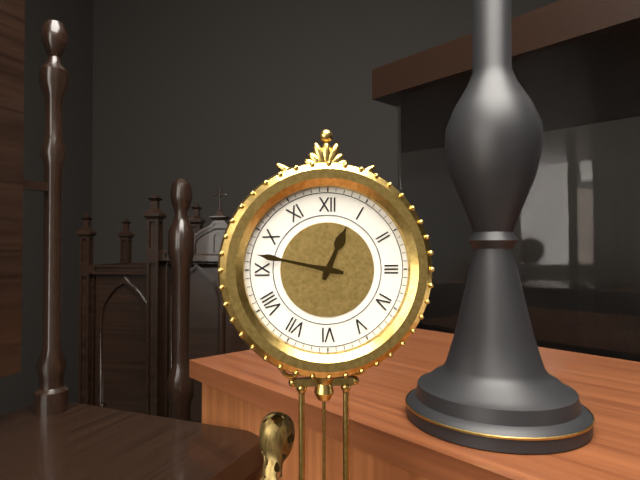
h=12 m=47
